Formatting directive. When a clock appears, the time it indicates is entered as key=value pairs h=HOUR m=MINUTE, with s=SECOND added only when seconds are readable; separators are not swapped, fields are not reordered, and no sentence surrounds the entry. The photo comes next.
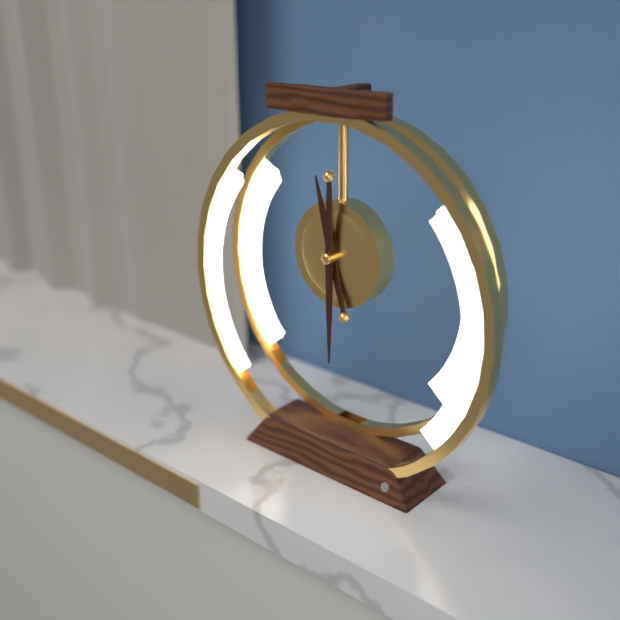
h=11 m=30
